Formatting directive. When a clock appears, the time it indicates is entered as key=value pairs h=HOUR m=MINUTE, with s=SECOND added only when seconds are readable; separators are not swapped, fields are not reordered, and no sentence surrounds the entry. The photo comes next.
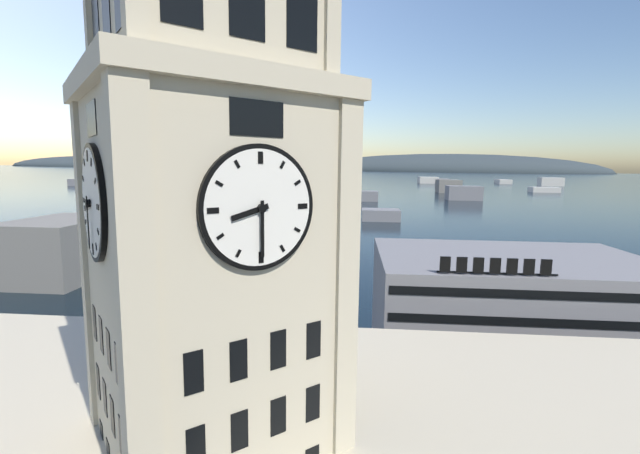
h=8 m=30
